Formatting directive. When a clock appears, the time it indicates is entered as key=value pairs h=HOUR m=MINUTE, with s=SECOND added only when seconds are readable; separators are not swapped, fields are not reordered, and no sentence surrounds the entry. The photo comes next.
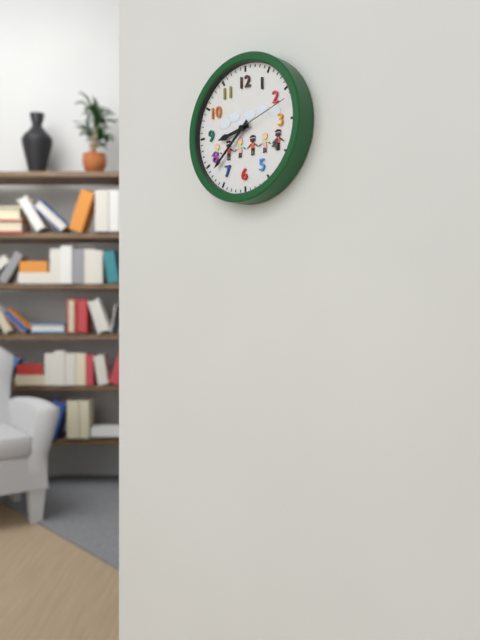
h=8 m=38 s=12
